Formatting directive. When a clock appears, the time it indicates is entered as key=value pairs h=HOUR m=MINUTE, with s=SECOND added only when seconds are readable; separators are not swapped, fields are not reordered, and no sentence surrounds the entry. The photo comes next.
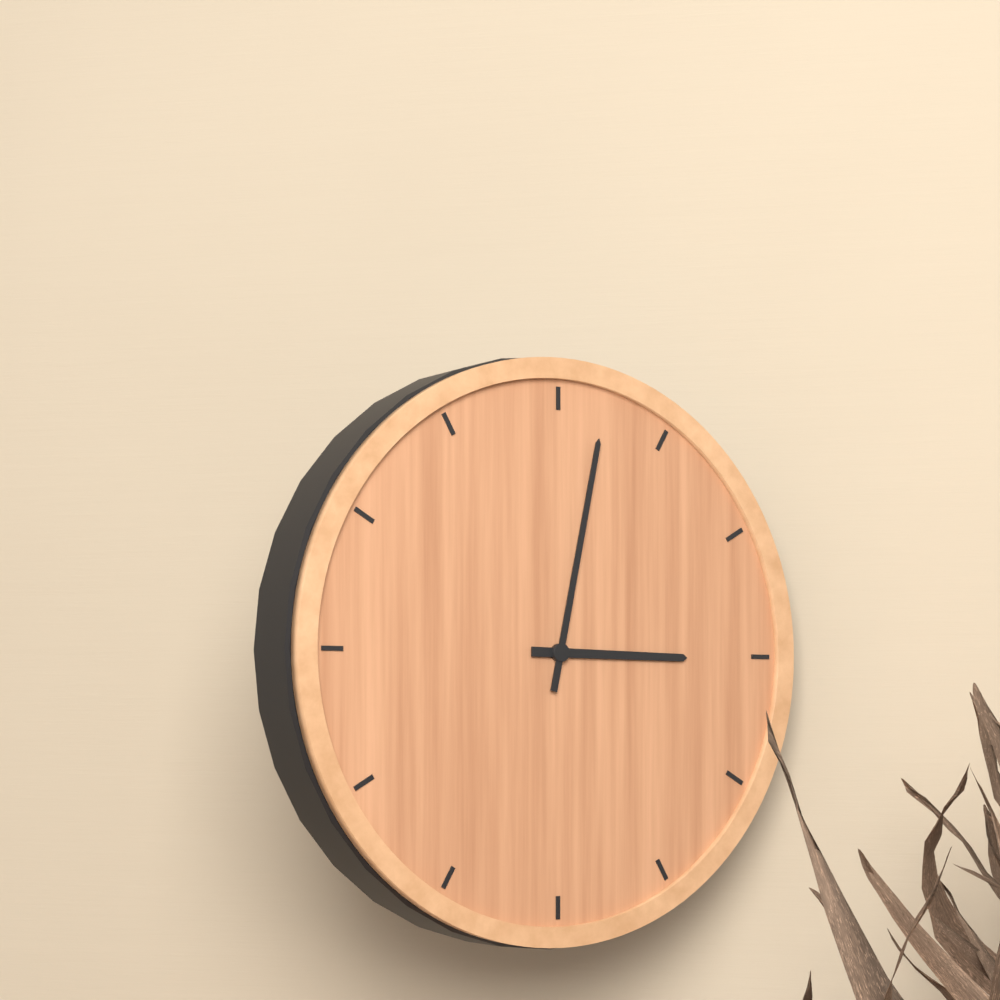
h=3 m=2
